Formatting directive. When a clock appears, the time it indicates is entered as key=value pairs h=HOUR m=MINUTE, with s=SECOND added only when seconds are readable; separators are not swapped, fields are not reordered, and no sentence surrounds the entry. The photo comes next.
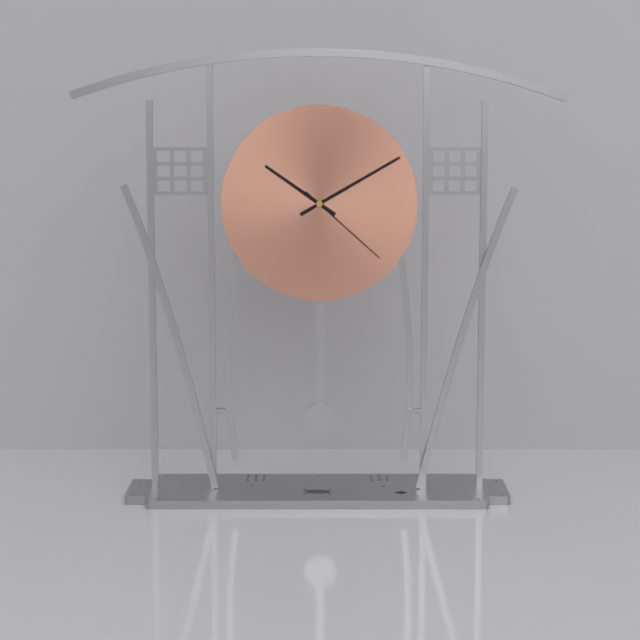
h=10 m=10 s=22
